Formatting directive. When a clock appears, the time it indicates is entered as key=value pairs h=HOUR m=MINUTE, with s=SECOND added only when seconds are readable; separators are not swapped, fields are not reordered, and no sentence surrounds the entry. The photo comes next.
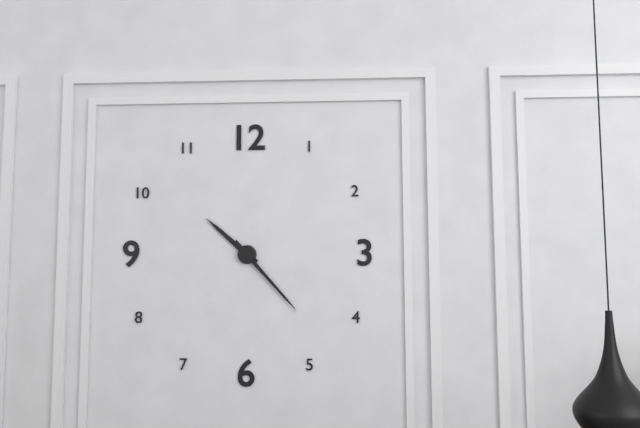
h=10 m=23
